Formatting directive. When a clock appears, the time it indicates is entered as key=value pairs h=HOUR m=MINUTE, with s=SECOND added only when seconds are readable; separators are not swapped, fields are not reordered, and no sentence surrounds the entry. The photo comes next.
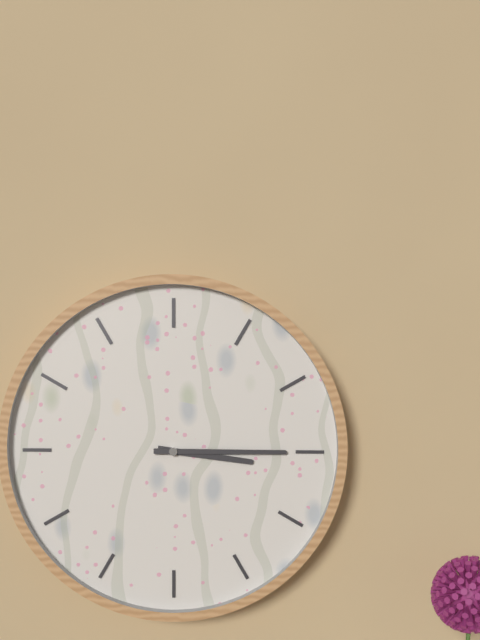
h=3 m=15
